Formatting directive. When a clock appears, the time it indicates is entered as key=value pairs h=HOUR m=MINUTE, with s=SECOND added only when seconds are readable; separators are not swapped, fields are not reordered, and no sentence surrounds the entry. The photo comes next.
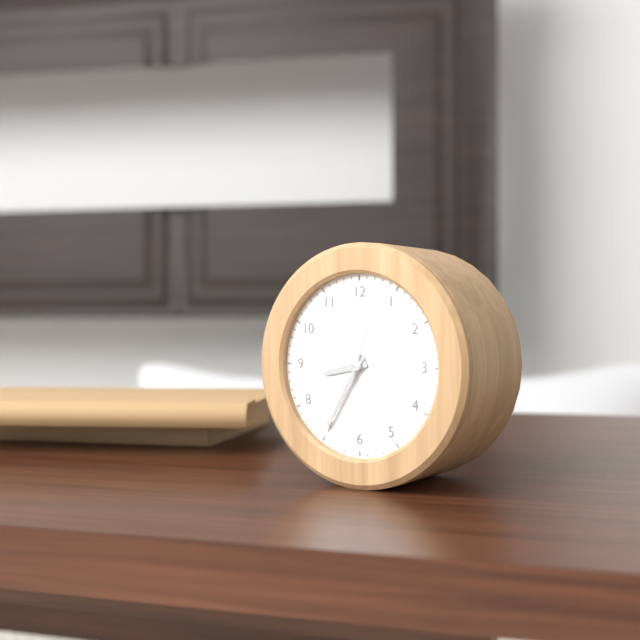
h=8 m=35 s=3
